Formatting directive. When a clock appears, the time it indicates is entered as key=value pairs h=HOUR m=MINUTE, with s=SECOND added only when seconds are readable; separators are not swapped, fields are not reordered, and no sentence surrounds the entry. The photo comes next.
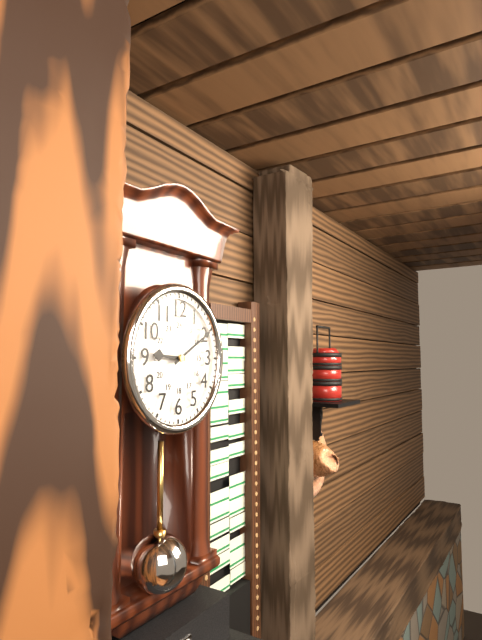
h=9 m=10
